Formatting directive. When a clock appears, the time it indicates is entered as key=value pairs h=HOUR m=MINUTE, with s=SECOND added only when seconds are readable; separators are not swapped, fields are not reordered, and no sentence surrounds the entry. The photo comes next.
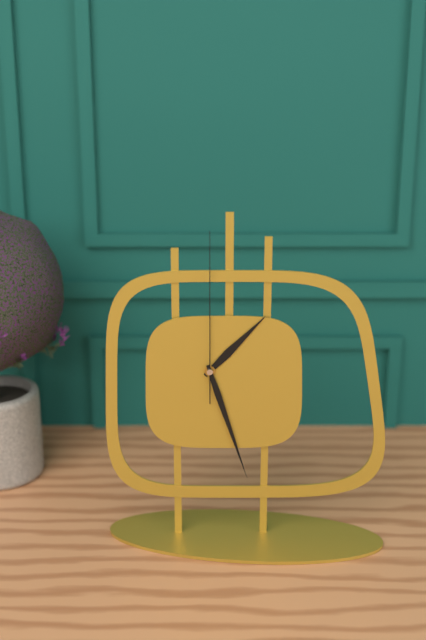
h=1 m=27 s=0
